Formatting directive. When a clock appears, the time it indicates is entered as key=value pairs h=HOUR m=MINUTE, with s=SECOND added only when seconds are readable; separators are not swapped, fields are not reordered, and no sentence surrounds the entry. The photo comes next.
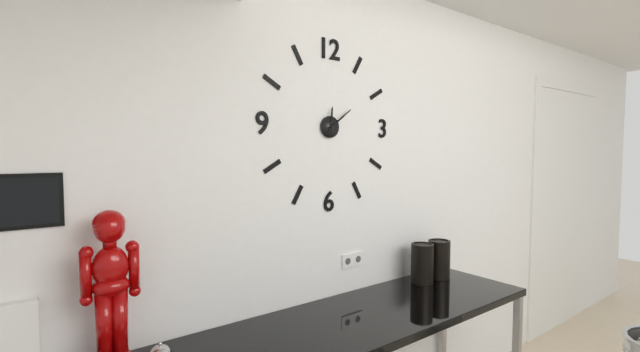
h=12 m=9
